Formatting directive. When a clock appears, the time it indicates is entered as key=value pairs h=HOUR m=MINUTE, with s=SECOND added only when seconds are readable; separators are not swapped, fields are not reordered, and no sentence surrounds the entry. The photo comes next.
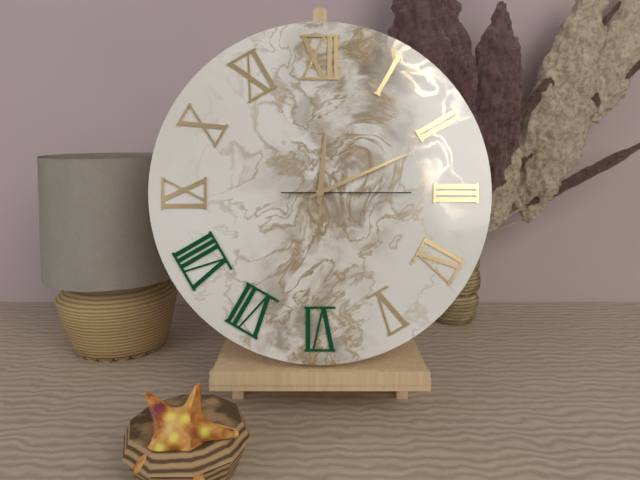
h=12 m=11 s=15
